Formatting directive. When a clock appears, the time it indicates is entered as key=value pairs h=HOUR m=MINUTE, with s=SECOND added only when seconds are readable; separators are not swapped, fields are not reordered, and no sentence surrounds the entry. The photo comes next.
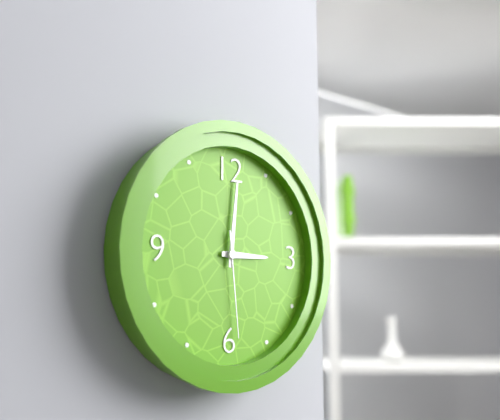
h=3 m=1 s=29
